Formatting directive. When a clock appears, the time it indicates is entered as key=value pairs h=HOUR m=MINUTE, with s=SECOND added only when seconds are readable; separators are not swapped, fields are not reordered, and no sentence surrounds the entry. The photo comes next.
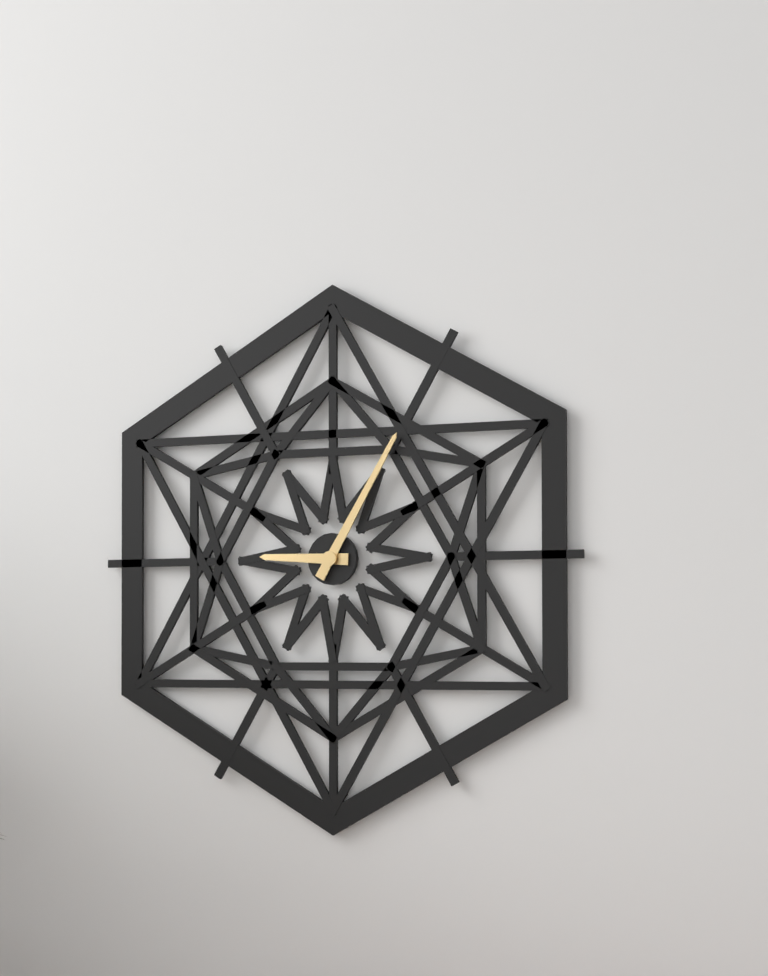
h=9 m=5
